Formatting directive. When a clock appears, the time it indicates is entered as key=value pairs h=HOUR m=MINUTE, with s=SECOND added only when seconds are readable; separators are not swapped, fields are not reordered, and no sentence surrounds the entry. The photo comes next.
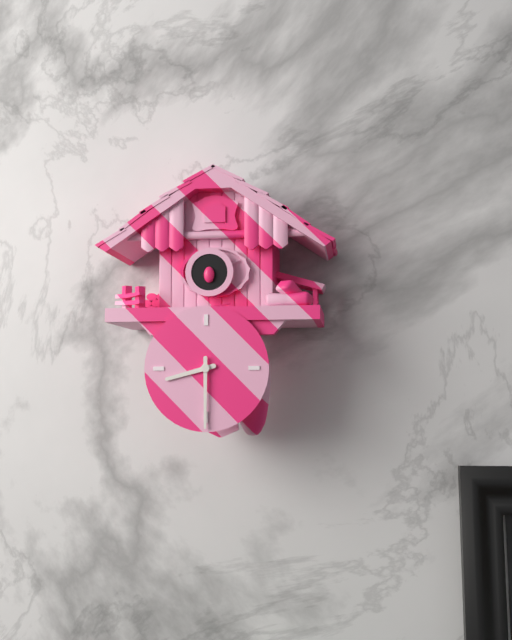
h=8 m=30
